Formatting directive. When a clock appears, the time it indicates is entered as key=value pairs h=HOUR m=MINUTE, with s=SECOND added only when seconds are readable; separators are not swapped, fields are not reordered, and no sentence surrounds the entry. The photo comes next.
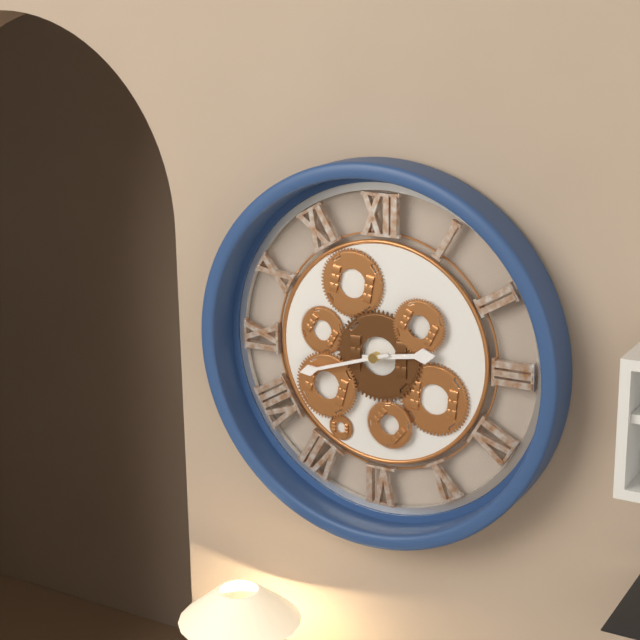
h=2 m=42
